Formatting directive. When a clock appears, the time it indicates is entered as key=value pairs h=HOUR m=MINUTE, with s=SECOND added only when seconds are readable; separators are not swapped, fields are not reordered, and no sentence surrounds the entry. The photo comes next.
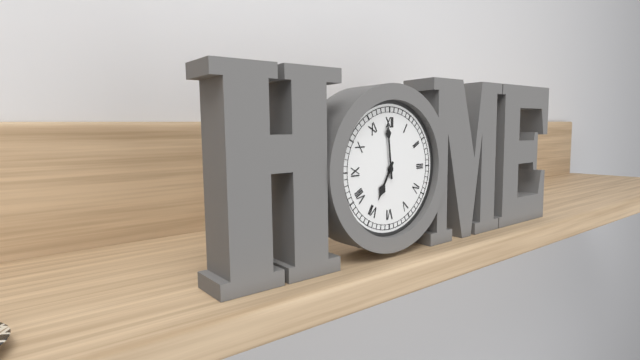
h=6 m=59
